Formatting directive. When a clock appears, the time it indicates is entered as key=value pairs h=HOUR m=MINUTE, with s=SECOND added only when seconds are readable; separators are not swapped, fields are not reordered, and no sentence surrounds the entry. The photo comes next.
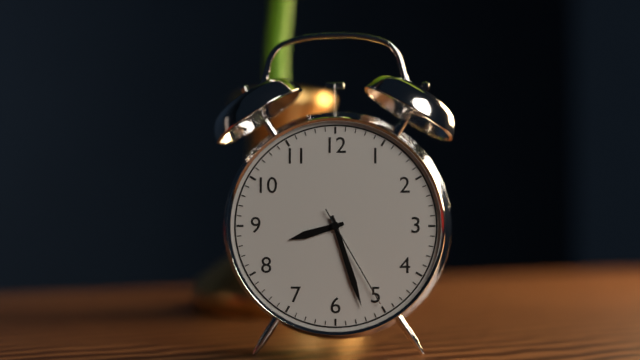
h=8 m=27 s=25
